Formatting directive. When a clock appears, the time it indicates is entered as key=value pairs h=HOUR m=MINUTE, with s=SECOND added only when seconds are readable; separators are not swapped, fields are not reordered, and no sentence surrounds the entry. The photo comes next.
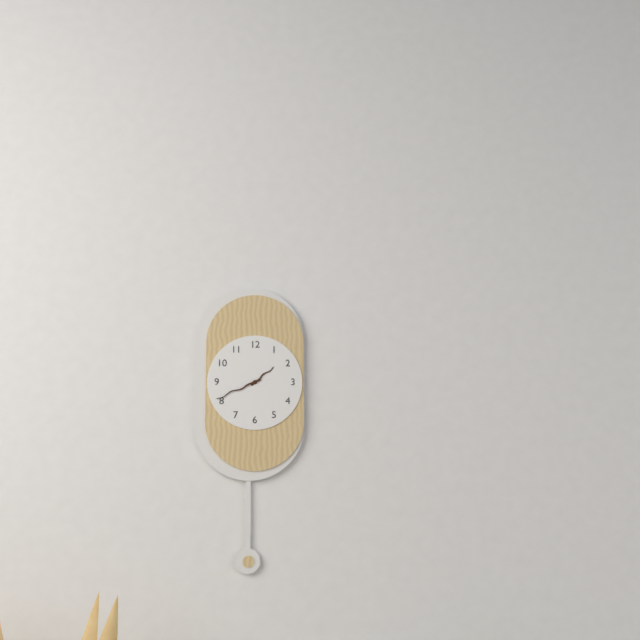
h=1 m=41
